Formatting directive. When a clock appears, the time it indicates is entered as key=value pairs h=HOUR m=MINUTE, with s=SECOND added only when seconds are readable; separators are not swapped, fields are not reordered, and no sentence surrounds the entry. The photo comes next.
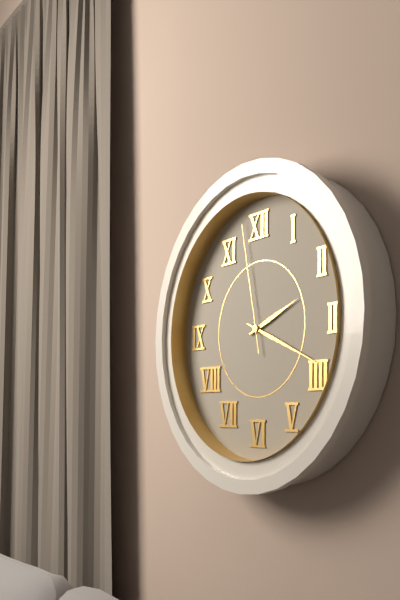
h=2 m=19 s=58
